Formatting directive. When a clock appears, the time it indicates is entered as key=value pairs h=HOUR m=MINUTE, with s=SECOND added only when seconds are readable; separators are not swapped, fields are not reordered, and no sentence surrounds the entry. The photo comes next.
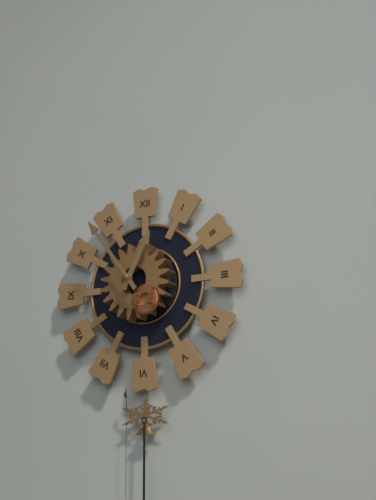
h=12 m=54
